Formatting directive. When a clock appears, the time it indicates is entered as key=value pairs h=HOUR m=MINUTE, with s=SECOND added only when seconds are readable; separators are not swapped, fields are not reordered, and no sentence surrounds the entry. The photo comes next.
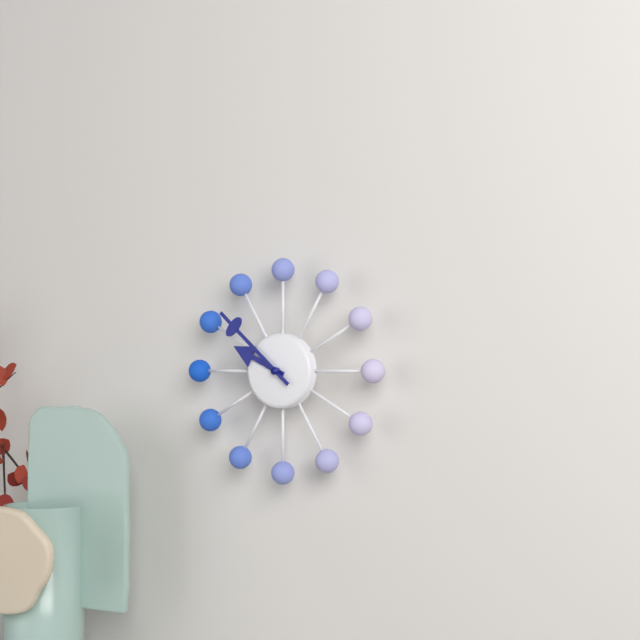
h=9 m=52
